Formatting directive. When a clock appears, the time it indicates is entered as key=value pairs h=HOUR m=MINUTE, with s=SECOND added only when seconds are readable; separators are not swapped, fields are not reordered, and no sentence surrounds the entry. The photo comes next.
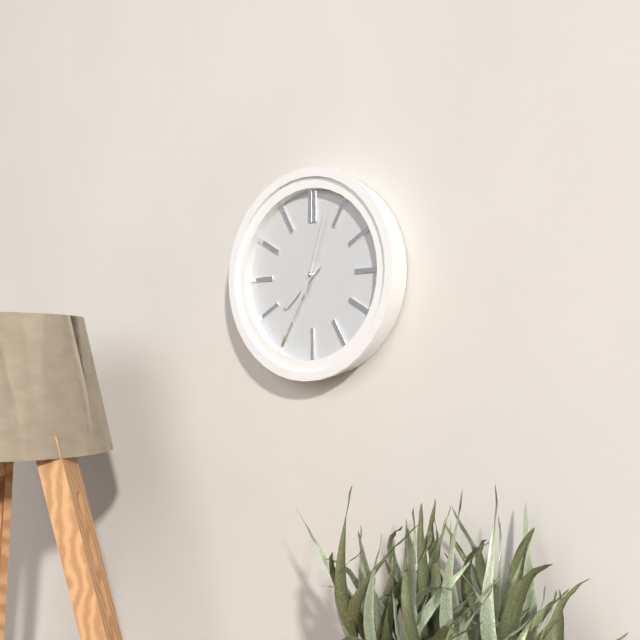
h=7 m=35 s=3
